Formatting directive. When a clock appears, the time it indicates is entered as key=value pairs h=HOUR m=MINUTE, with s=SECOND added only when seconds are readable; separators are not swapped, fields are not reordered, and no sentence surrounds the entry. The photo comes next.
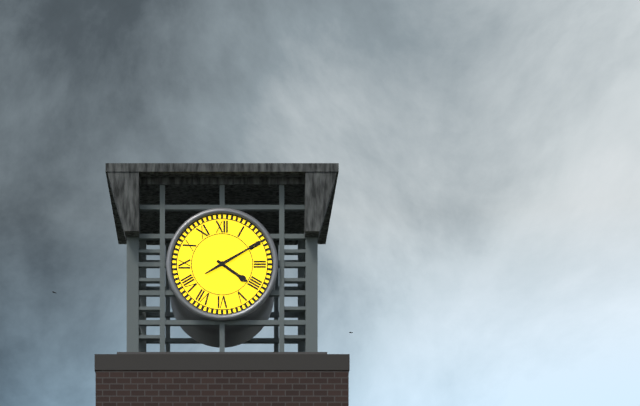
h=4 m=10
